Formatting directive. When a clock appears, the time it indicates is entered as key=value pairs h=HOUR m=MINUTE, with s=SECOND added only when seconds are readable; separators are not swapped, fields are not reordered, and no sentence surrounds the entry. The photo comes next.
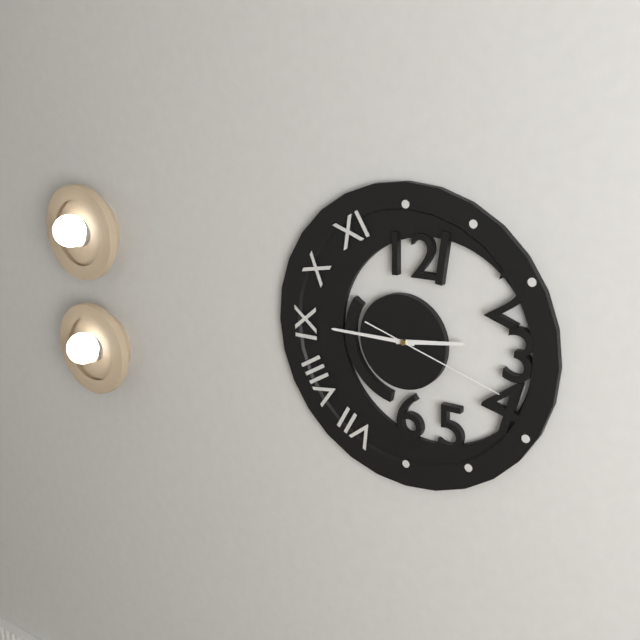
h=2 m=45 s=18
